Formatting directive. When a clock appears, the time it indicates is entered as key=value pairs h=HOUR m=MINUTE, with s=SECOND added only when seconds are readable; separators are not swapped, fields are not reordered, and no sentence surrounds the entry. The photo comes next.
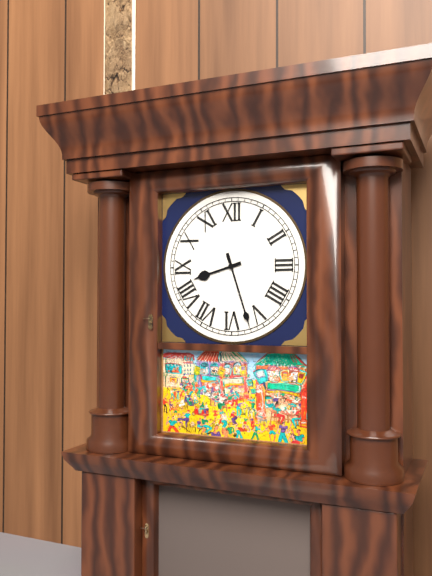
h=8 m=27
